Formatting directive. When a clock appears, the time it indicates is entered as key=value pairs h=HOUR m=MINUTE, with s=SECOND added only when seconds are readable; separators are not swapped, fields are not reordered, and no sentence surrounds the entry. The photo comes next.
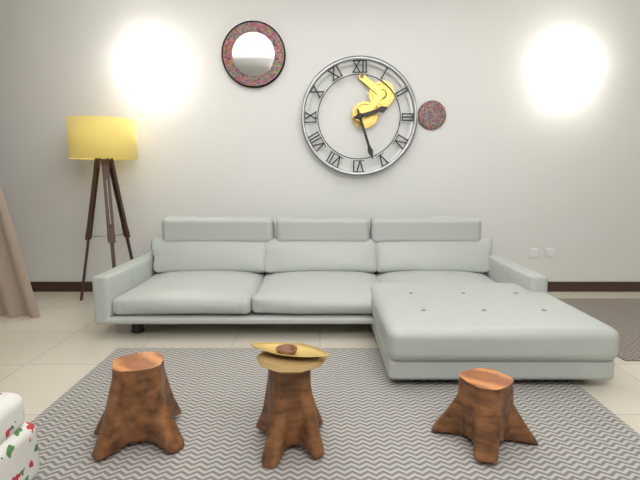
h=2 m=27
